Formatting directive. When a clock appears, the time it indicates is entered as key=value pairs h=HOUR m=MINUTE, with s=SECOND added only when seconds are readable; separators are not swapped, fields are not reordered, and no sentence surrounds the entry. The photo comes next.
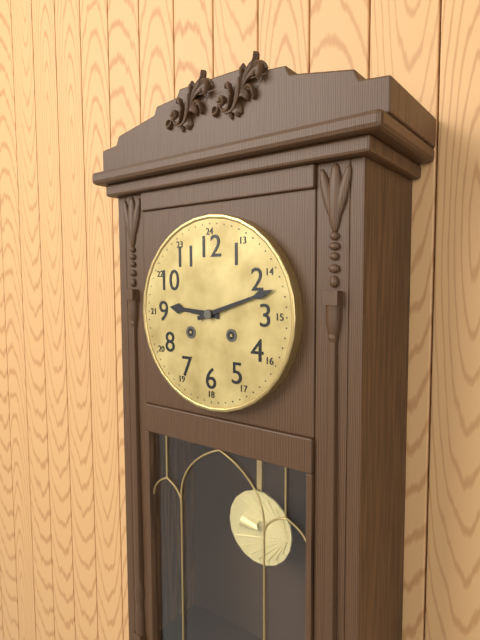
h=9 m=12
